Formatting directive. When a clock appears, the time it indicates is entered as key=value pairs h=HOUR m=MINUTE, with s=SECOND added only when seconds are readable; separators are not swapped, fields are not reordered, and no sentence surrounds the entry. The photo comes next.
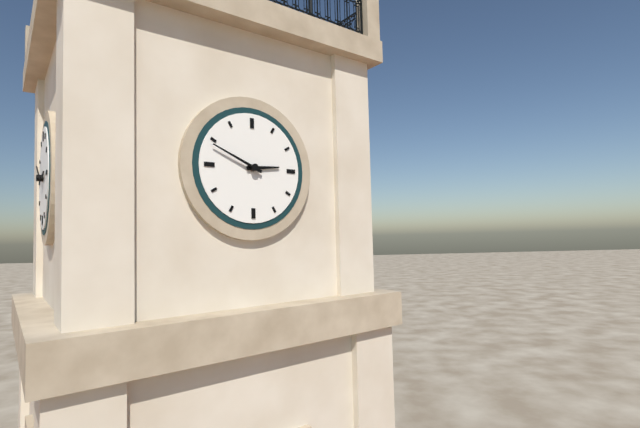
h=2 m=49
